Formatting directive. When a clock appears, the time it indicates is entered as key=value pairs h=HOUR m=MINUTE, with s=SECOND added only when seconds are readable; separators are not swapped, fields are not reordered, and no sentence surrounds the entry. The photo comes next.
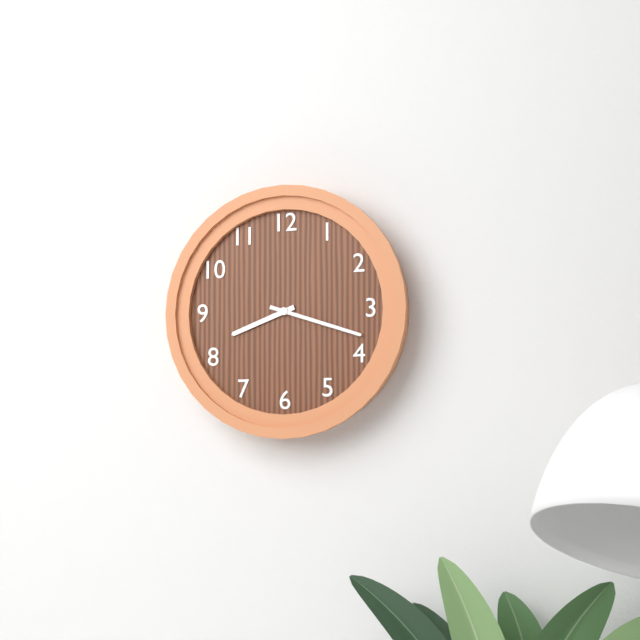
h=8 m=18
